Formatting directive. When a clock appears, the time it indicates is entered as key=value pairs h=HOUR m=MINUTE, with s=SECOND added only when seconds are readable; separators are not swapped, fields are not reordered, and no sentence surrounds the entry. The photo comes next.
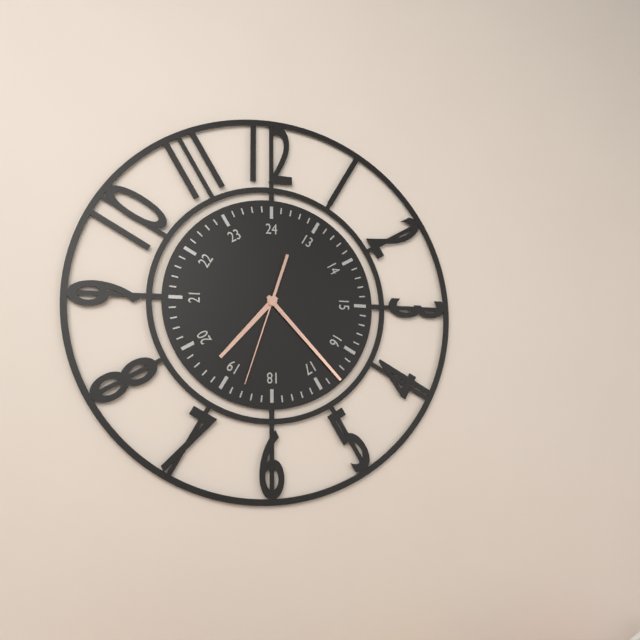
h=7 m=23 s=33
